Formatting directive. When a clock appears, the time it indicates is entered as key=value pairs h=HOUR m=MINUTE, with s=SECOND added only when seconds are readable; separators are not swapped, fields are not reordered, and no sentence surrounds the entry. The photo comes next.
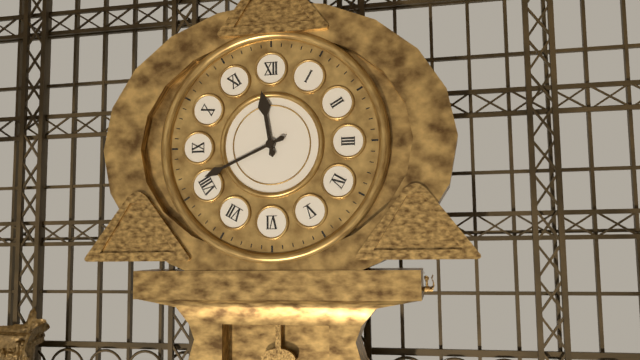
h=11 m=41
